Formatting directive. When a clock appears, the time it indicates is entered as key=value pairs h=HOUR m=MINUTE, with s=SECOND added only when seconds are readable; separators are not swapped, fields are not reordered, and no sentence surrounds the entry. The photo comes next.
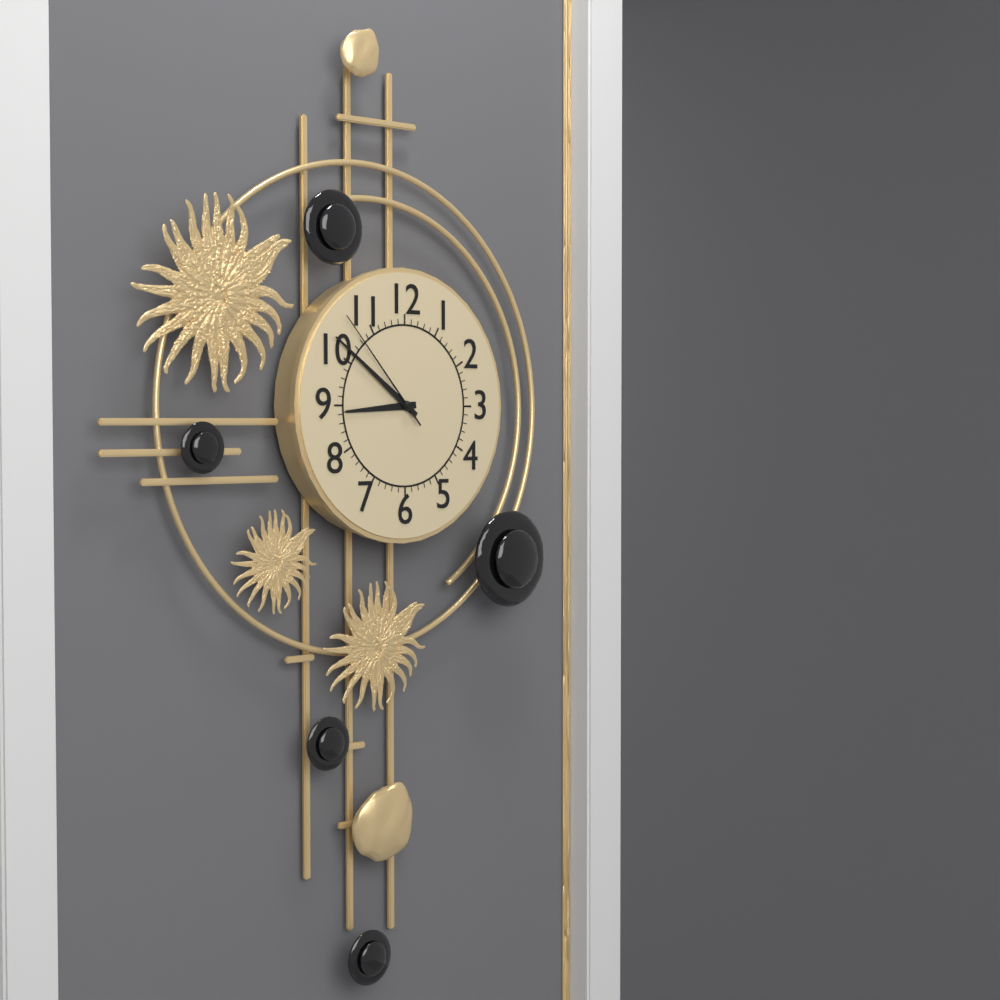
h=8 m=51 s=53
